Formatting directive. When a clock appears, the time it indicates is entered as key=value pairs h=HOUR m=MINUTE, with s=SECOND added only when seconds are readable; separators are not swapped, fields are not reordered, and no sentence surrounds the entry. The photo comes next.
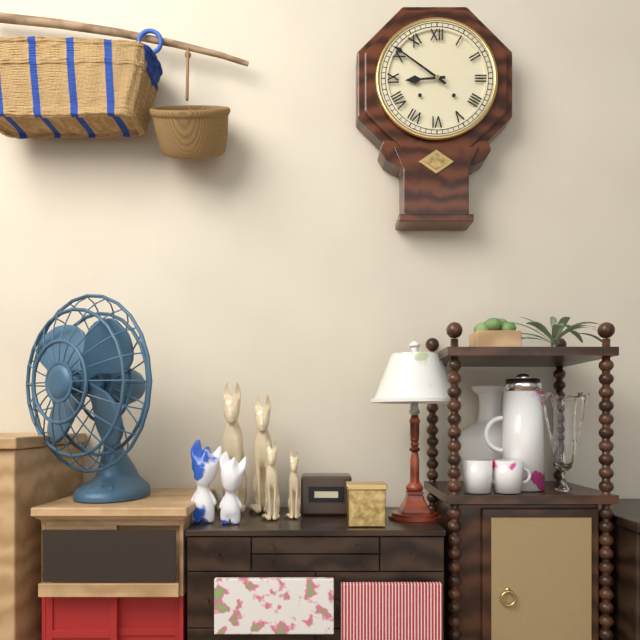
h=8 m=51
